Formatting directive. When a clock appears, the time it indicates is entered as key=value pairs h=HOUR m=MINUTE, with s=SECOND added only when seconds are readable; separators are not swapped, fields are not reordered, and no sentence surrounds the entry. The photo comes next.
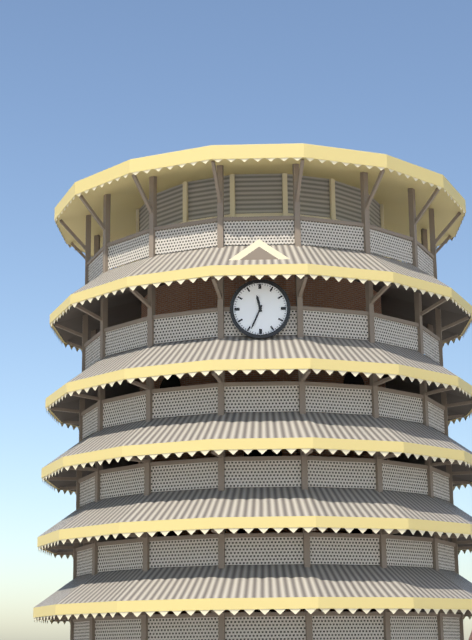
h=11 m=34
